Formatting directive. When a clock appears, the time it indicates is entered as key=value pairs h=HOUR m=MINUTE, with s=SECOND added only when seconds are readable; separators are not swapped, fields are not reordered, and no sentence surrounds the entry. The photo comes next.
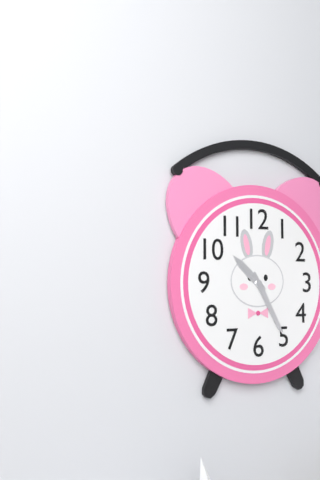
h=10 m=25
